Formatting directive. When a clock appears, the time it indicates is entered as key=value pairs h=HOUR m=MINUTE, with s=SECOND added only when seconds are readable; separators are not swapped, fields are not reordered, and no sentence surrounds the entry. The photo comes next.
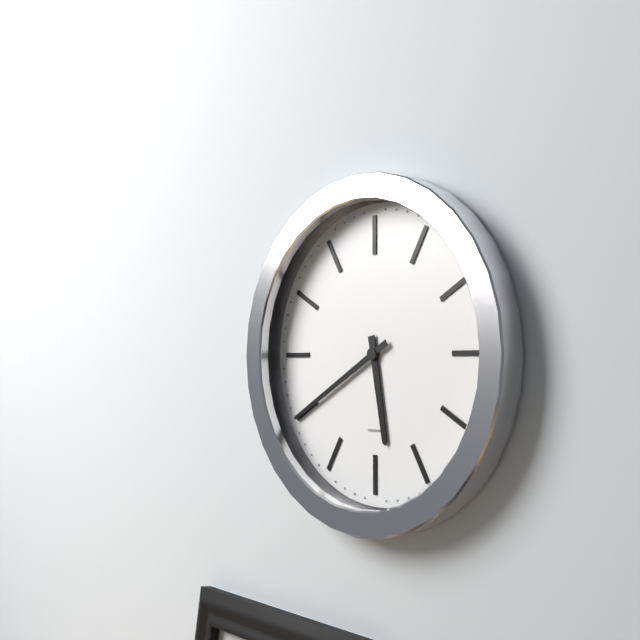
h=5 m=40
